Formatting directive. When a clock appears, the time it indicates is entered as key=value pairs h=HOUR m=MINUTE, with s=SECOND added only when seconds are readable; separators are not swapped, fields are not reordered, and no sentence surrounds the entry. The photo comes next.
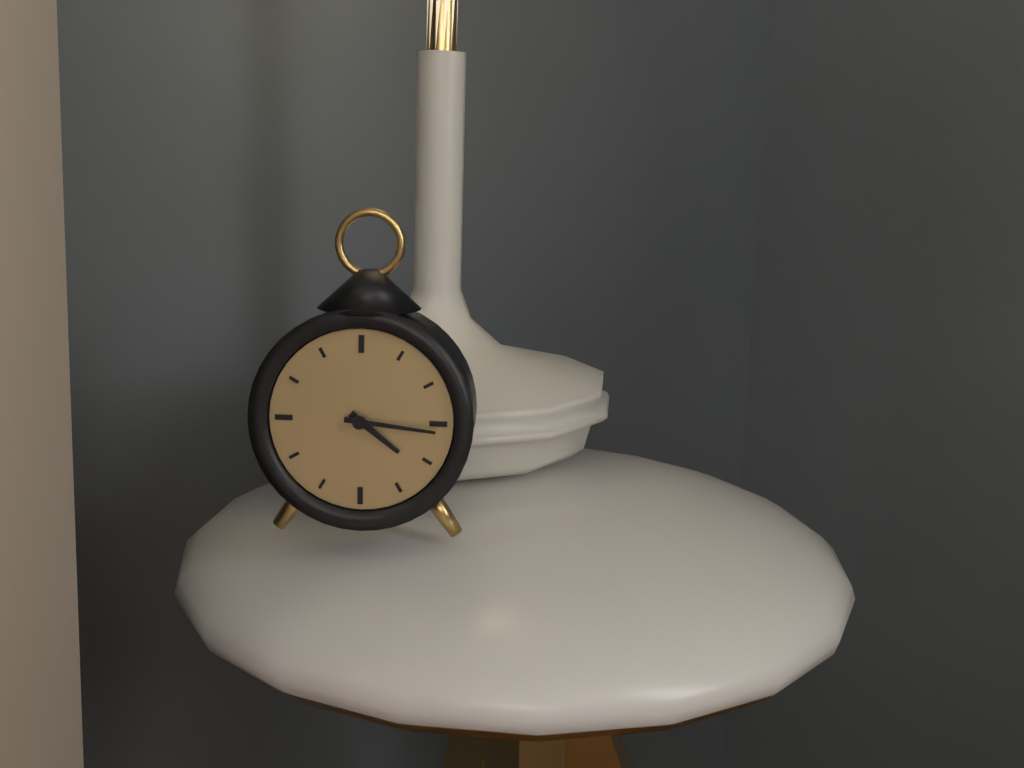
h=4 m=16
